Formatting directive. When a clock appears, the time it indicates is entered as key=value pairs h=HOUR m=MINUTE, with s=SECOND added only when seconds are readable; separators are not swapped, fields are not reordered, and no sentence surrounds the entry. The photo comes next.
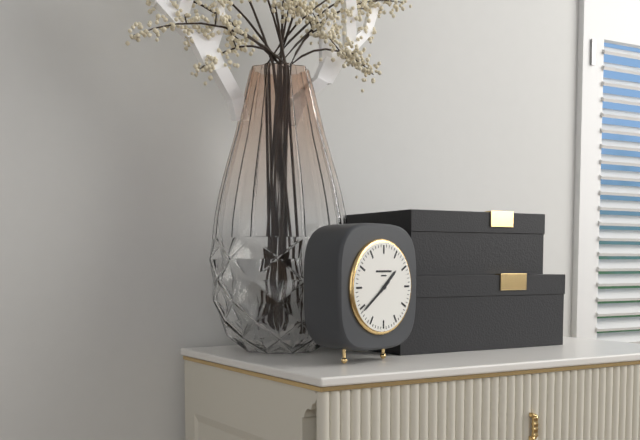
h=1 m=39
